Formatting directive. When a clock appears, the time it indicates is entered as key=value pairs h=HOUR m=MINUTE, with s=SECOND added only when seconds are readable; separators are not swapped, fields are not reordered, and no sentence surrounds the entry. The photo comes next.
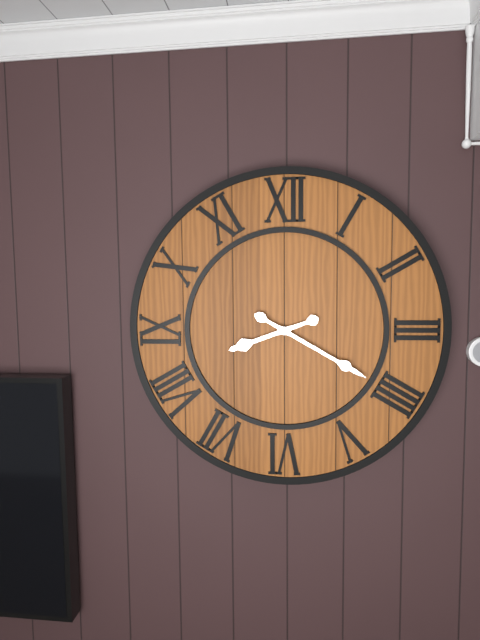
h=8 m=20
